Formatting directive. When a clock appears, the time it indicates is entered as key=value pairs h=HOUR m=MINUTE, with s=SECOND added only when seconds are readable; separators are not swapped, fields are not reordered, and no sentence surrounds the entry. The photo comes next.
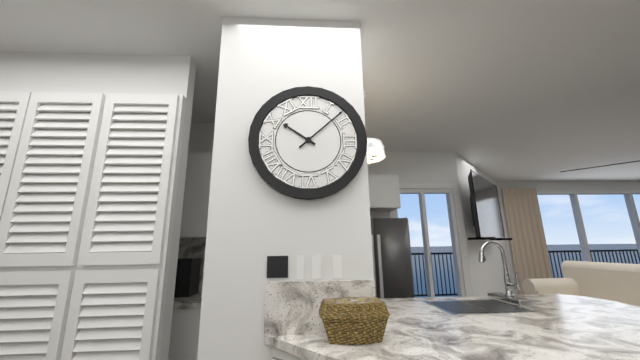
h=10 m=8
